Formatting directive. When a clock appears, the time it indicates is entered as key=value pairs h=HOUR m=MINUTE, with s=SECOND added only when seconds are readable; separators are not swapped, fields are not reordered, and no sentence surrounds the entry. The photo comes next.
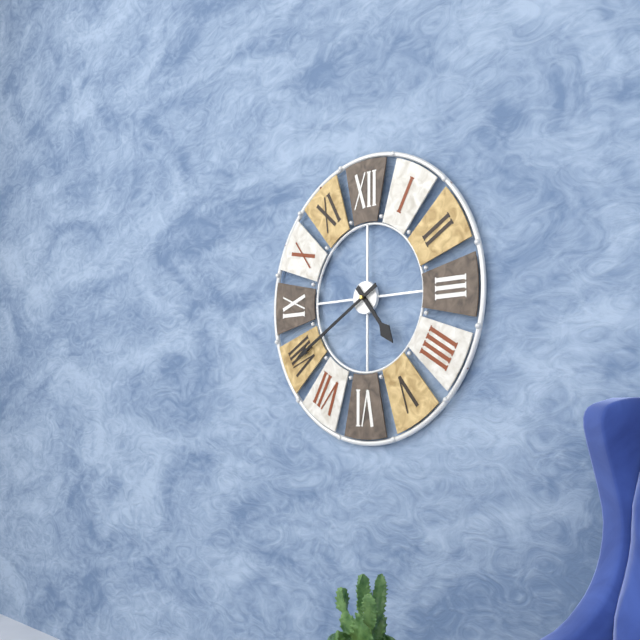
h=4 m=40
